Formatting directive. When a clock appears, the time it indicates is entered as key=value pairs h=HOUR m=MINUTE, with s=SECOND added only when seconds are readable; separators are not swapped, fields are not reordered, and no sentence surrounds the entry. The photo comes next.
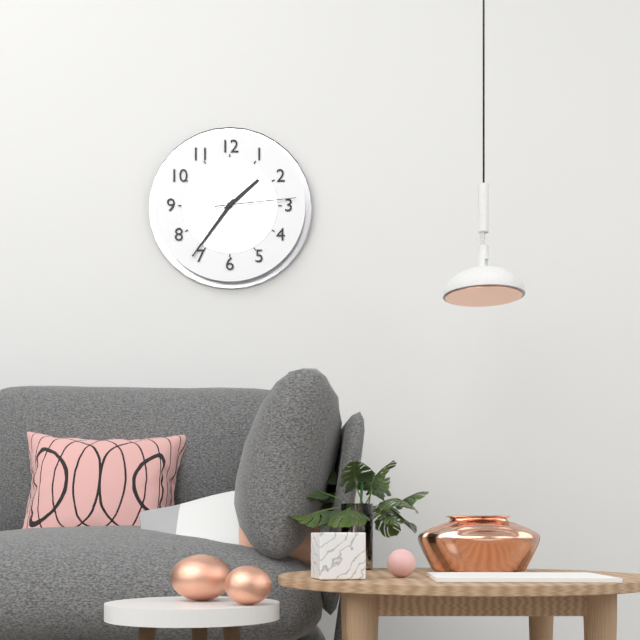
h=1 m=36 s=14
